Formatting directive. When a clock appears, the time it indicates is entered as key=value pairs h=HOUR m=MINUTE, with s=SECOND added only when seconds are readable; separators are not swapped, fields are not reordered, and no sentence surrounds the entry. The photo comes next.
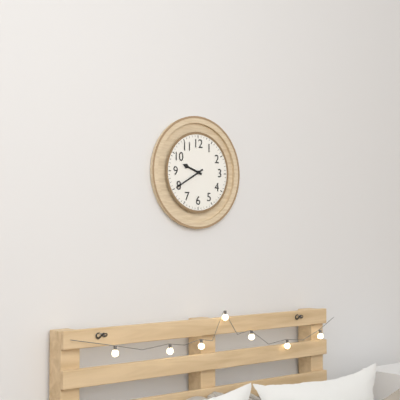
h=9 m=40
